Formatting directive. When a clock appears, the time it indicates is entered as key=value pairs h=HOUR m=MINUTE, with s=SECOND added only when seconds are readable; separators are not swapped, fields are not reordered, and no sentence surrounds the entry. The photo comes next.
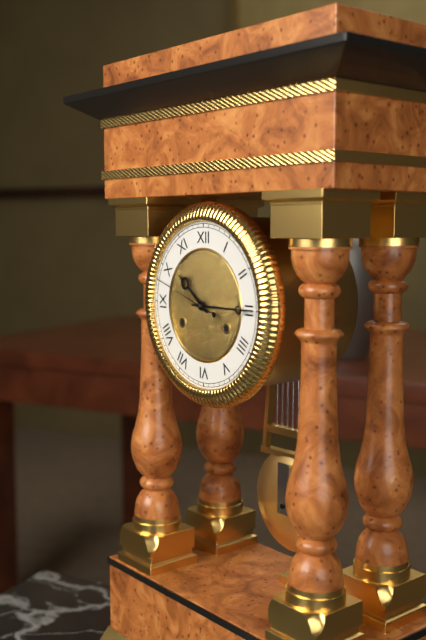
h=10 m=15 s=48
